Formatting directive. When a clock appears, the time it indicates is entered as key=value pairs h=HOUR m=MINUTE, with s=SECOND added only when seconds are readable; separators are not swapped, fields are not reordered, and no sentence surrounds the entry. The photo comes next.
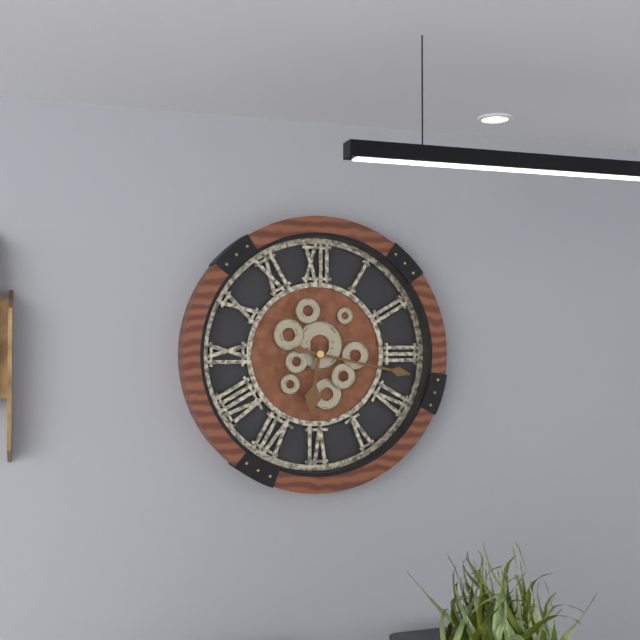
h=6 m=17
